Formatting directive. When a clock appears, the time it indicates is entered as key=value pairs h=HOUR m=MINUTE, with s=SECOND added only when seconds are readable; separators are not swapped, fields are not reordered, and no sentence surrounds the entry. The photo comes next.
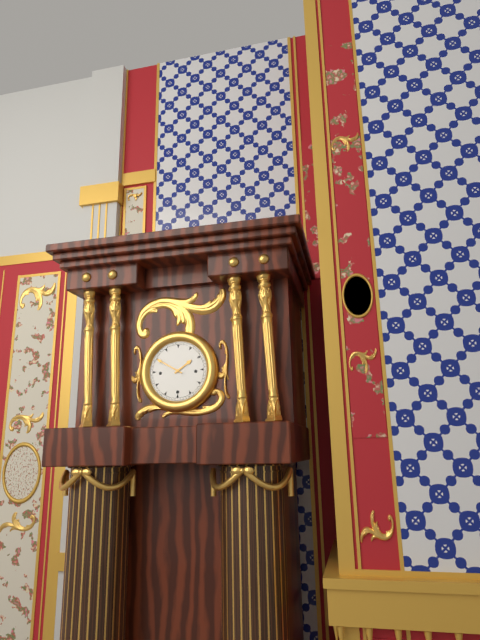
h=1 m=50
